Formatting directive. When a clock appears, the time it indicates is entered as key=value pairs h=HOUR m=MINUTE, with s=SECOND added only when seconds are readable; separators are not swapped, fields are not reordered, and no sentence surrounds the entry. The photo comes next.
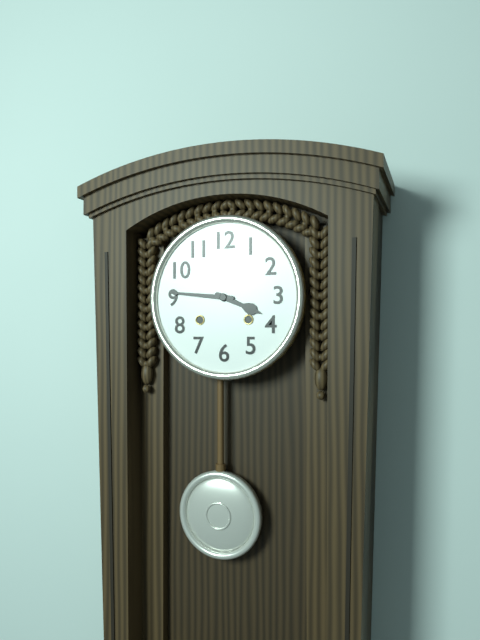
h=3 m=46
